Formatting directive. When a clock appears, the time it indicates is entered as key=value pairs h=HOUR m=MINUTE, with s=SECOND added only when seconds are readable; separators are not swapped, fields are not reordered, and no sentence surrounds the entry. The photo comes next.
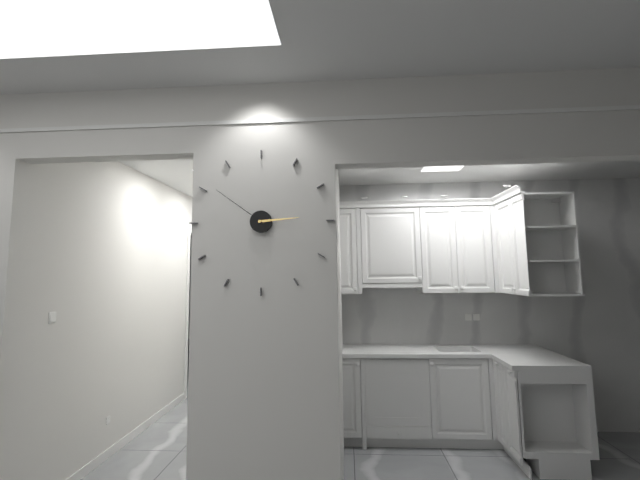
h=2 m=51
